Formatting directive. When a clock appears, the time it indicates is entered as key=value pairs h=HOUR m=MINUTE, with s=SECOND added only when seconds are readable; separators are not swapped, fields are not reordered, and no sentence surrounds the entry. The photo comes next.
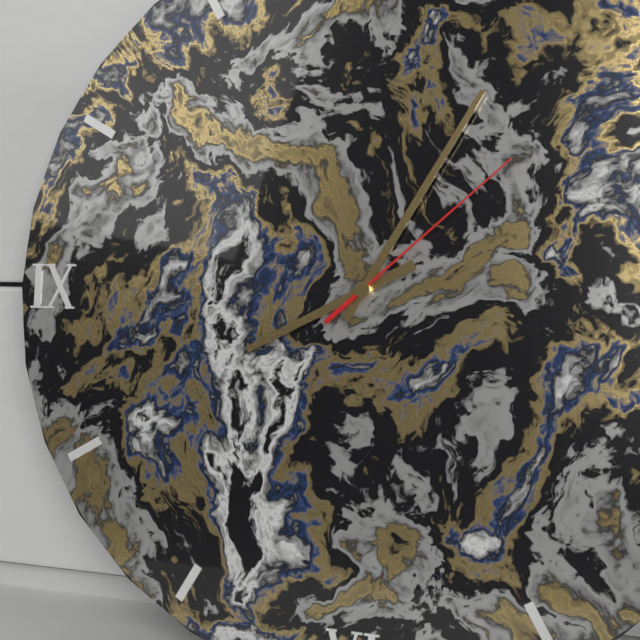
h=8 m=5 s=8
